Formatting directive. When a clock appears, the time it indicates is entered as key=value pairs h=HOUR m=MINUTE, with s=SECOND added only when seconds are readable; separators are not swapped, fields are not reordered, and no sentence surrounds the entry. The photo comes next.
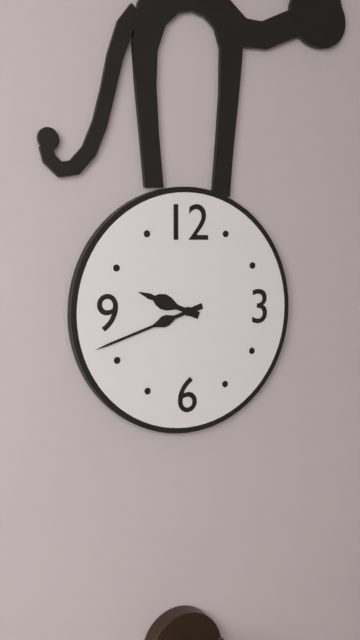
h=9 m=42
